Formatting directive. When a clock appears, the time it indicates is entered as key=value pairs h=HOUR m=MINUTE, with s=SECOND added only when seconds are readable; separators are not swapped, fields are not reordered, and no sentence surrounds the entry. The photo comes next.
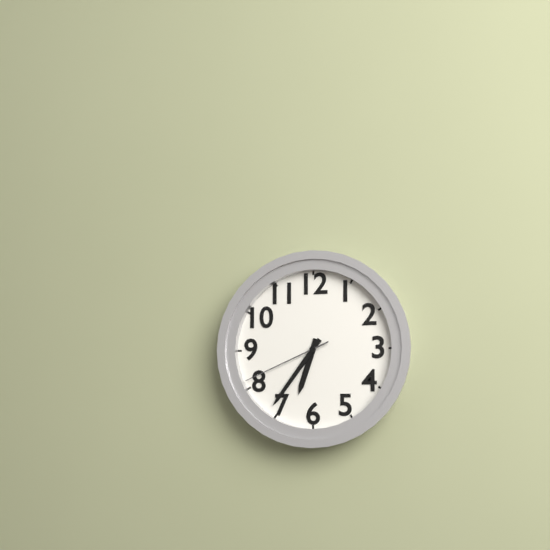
h=6 m=36 s=41
